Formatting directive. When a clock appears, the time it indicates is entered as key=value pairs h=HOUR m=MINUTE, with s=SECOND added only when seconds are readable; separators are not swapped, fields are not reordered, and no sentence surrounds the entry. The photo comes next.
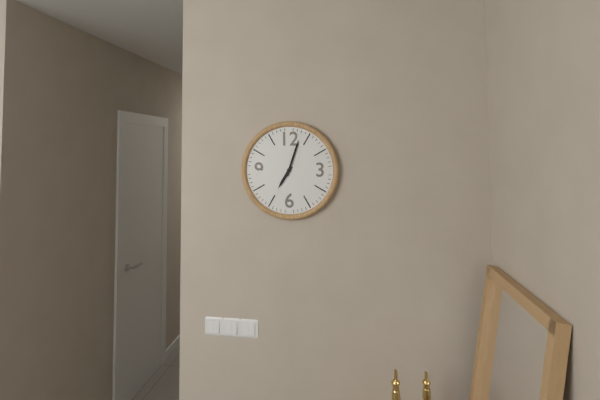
h=7 m=3
